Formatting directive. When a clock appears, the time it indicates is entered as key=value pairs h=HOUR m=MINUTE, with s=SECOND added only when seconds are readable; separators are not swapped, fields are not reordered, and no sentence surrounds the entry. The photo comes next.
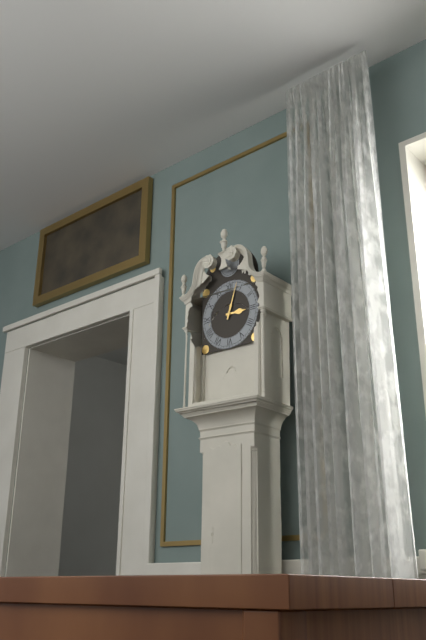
h=3 m=3
